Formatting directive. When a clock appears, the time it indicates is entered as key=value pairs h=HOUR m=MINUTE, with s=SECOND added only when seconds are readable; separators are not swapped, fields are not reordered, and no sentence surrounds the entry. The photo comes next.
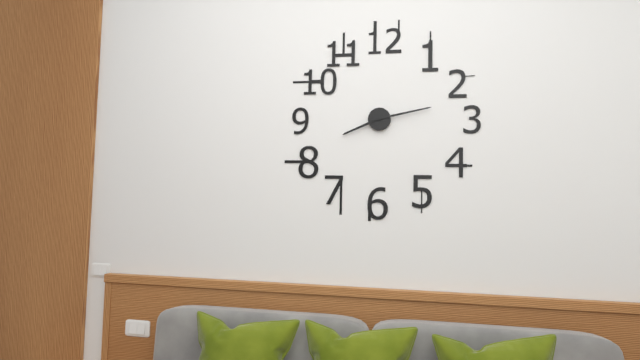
h=8 m=13
